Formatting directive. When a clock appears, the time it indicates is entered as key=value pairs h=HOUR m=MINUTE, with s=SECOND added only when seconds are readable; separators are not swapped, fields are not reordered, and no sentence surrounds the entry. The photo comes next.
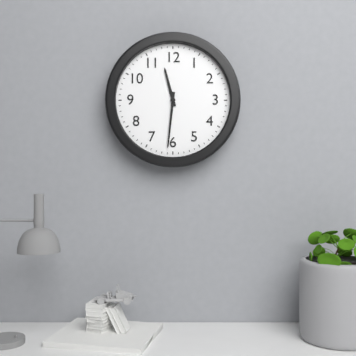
h=11 m=31
